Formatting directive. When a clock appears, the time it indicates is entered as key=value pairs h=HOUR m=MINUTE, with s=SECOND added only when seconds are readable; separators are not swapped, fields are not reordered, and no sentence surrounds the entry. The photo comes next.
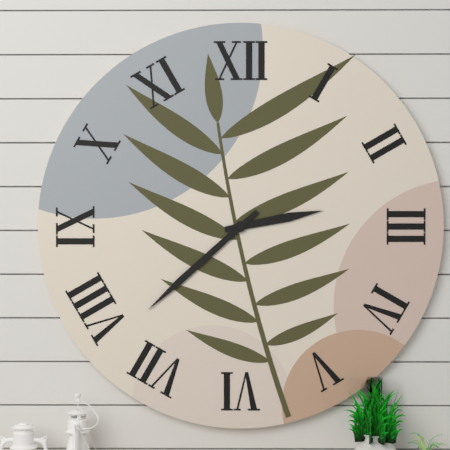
h=2 m=38
